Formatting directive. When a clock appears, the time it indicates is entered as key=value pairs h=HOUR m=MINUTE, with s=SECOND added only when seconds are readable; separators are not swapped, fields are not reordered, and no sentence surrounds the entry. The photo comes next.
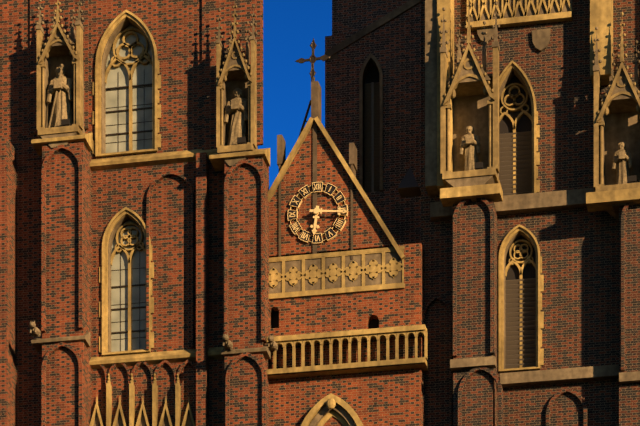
h=6 m=16
